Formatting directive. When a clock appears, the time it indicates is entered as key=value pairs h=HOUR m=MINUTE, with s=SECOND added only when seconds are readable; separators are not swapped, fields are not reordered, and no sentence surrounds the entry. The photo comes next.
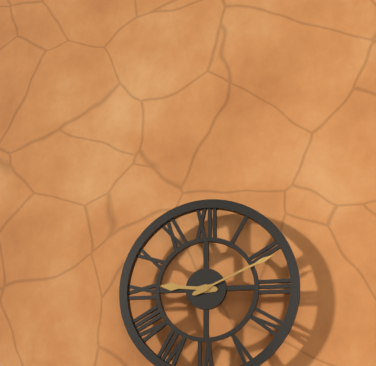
h=9 m=11
